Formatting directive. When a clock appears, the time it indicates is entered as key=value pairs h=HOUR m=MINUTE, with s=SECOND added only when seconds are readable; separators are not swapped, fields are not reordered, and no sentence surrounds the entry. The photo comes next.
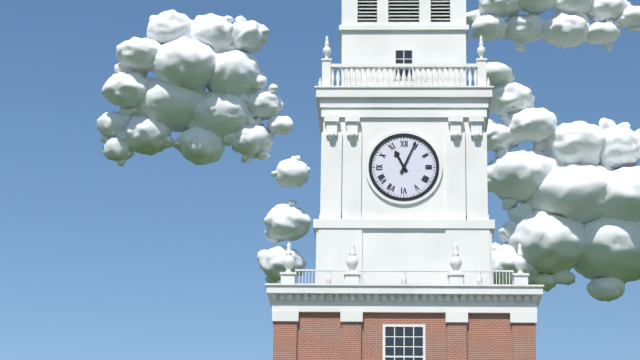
h=11 m=4
